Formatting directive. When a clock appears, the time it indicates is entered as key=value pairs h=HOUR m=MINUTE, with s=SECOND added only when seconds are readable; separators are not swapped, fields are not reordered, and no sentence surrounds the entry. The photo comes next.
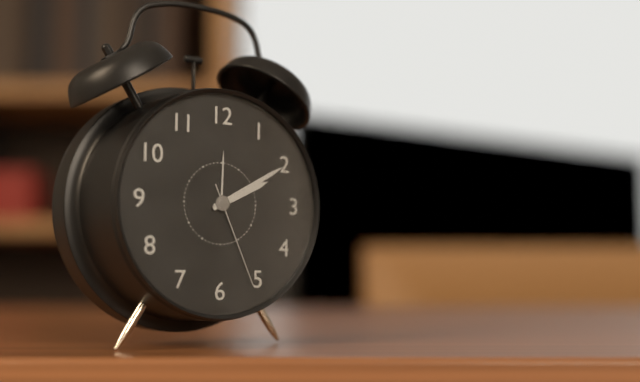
h=2 m=10 s=26
